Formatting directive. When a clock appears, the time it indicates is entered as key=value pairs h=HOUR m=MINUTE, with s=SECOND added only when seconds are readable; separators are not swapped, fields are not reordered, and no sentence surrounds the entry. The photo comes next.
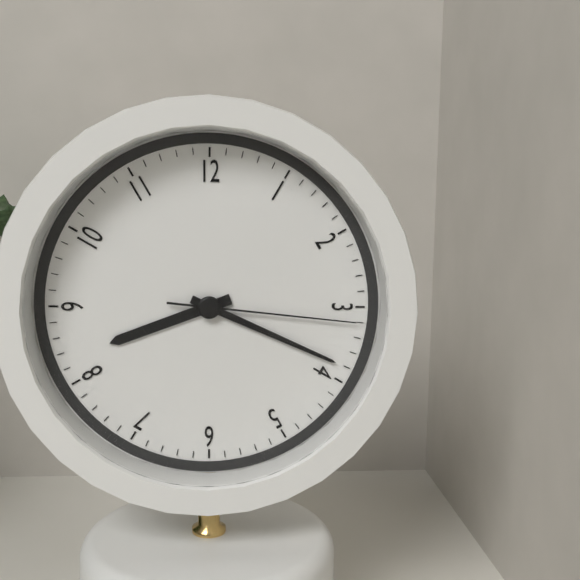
h=8 m=19 s=16
